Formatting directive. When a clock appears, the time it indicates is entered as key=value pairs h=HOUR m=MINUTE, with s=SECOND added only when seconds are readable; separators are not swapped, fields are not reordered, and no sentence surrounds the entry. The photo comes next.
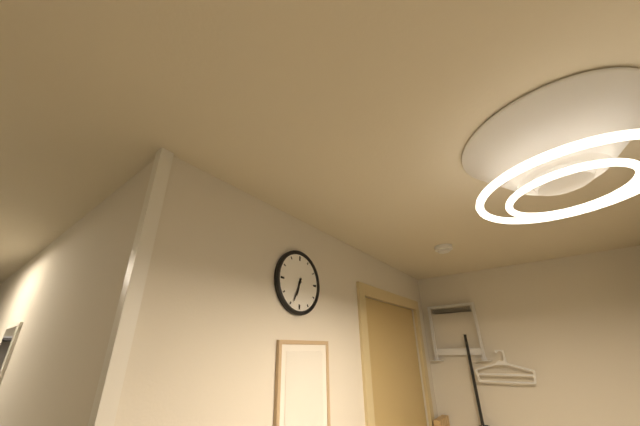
h=6 m=34
